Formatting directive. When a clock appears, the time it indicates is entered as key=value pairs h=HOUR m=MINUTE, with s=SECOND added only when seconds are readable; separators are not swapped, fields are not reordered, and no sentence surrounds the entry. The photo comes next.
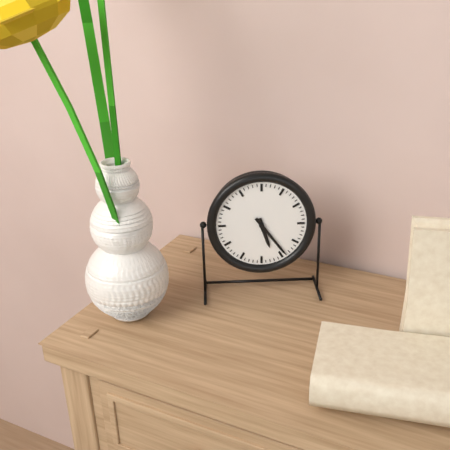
h=5 m=24
